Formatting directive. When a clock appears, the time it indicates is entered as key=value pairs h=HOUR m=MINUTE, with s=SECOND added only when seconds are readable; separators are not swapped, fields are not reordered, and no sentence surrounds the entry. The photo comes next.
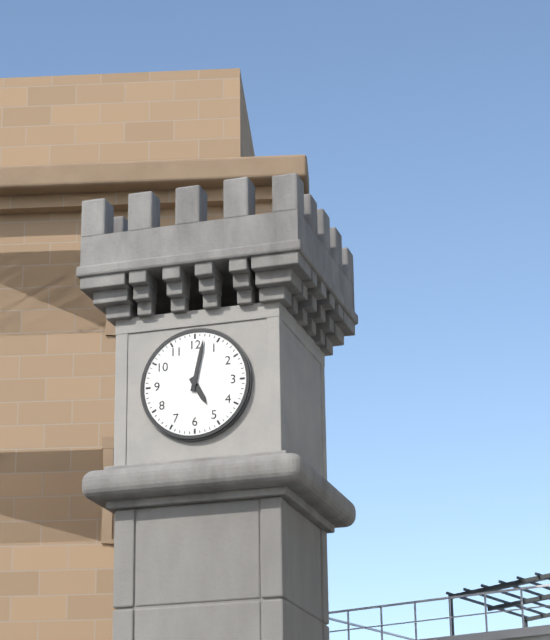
h=5 m=2
